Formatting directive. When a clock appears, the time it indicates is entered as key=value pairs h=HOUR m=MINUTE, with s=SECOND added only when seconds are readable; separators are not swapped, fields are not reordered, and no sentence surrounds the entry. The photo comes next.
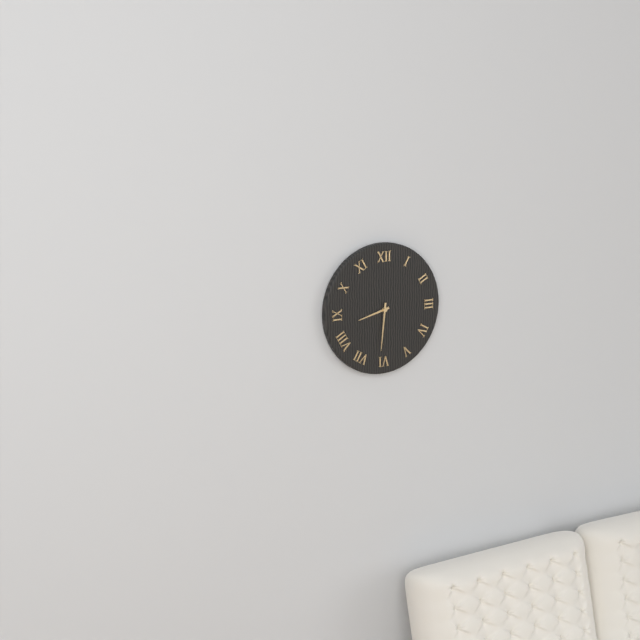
h=8 m=31
